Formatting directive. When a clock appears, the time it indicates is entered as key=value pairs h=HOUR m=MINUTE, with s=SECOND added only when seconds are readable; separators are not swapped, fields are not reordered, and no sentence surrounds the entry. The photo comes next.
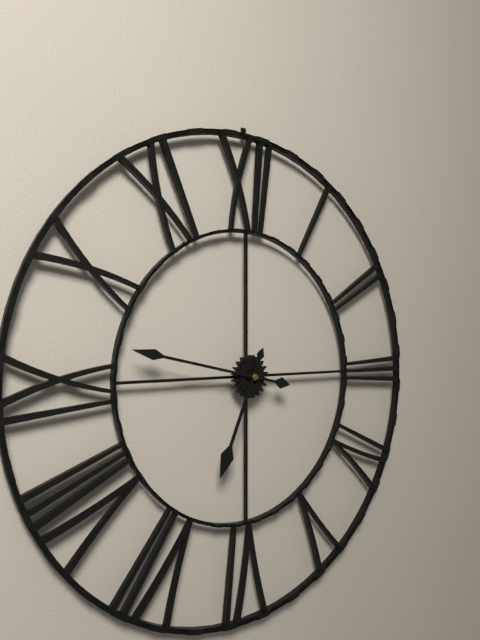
h=6 m=47
